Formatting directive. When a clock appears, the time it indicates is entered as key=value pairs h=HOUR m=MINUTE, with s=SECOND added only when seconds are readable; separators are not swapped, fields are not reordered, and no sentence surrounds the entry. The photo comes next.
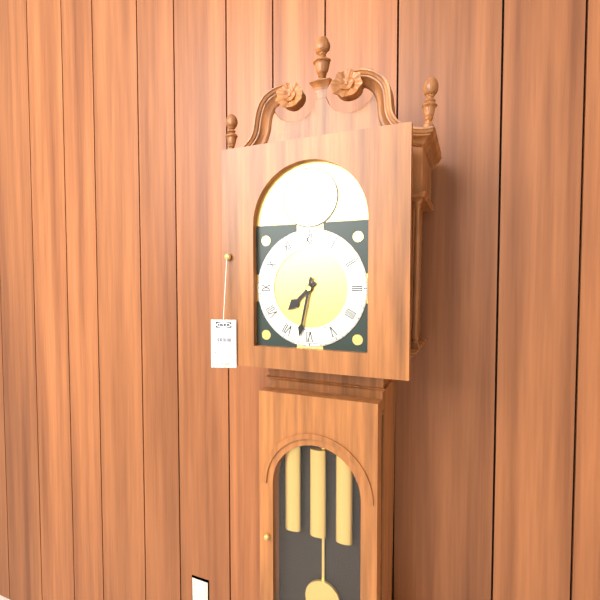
h=7 m=32
